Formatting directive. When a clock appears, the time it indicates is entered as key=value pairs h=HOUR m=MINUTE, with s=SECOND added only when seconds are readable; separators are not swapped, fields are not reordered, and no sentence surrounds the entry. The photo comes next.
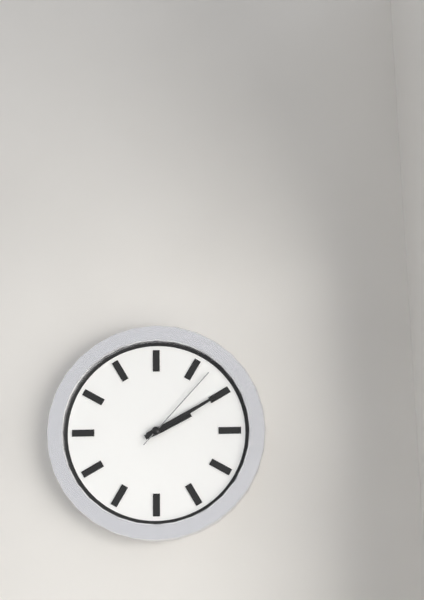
h=2 m=10 s=7
